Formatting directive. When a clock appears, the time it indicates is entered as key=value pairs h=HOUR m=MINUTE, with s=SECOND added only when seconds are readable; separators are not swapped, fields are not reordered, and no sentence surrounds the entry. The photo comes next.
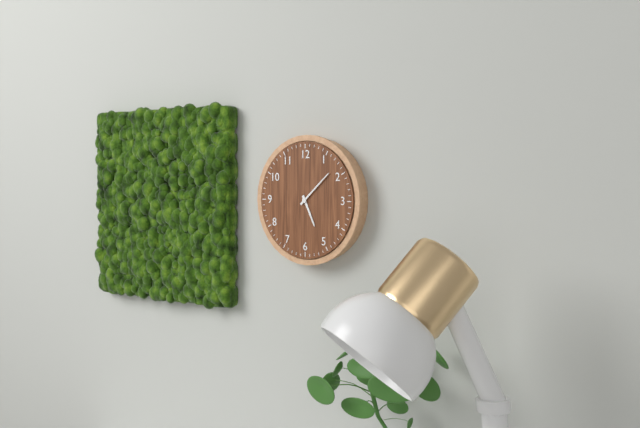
h=5 m=8
